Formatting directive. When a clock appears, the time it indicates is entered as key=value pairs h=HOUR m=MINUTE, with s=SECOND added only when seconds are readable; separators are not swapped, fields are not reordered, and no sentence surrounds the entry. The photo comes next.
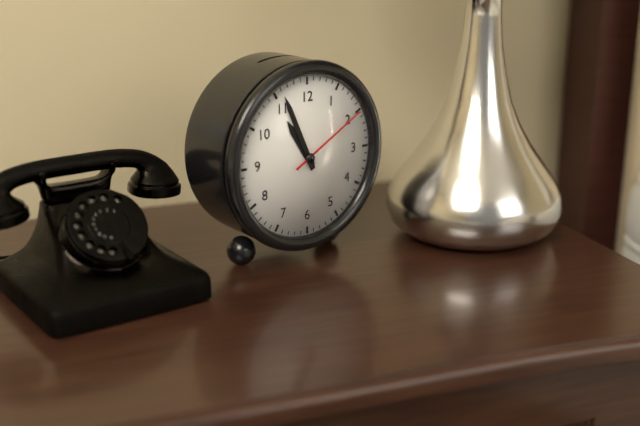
h=10 m=56 s=10
